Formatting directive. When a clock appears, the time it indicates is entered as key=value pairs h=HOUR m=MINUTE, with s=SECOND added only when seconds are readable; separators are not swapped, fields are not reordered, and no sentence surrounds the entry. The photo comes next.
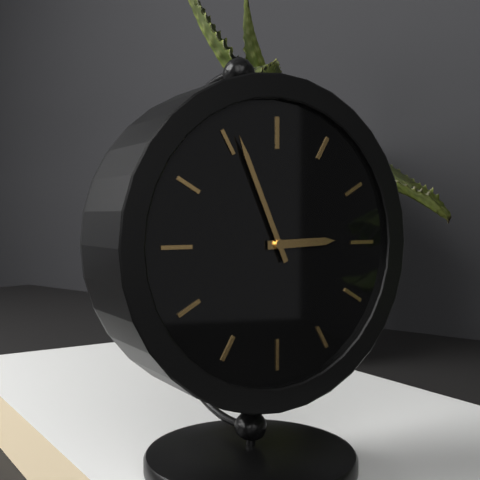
h=2 m=56
